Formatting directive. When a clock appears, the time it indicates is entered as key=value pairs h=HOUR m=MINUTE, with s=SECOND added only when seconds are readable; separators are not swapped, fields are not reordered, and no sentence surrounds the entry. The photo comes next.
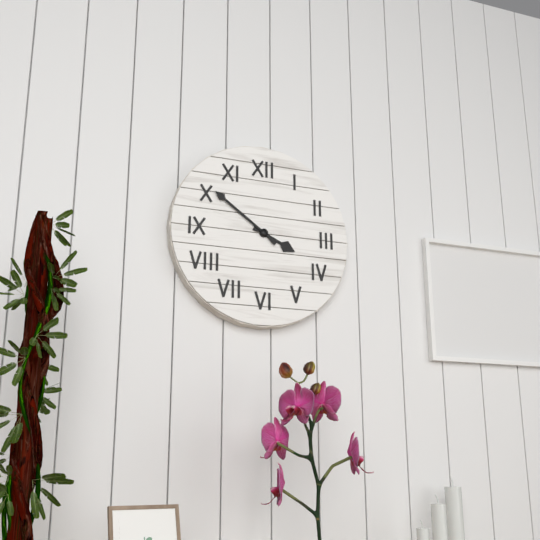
h=3 m=51
